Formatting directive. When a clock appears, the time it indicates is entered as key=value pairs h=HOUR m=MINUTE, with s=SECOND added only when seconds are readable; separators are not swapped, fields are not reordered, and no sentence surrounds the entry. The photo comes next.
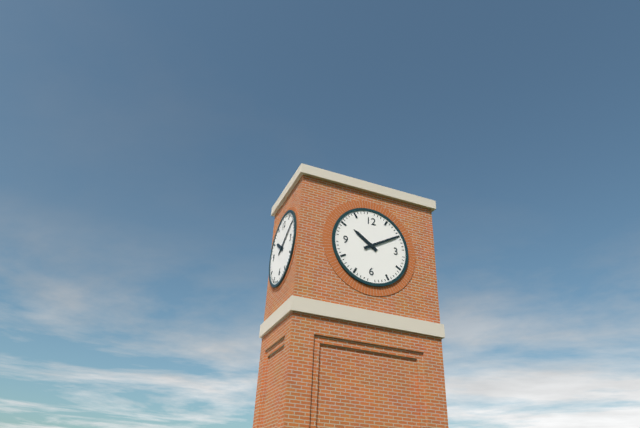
h=10 m=10
